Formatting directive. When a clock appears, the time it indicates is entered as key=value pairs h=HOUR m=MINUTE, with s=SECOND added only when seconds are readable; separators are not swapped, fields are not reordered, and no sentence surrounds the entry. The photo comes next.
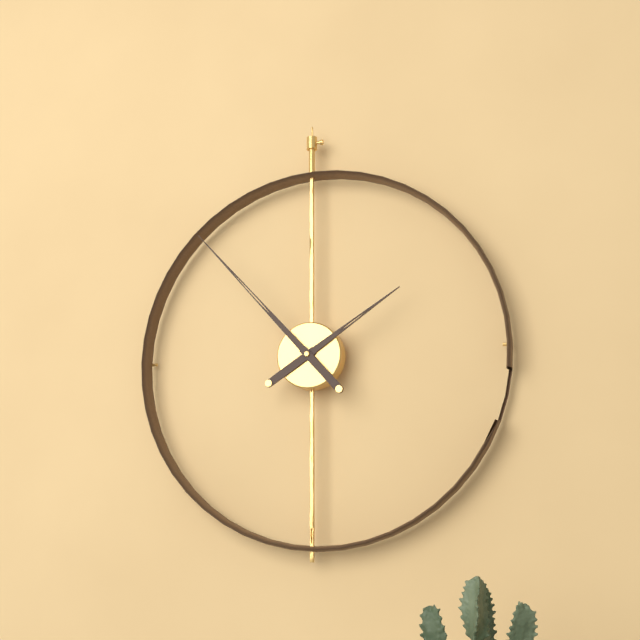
h=1 m=53
